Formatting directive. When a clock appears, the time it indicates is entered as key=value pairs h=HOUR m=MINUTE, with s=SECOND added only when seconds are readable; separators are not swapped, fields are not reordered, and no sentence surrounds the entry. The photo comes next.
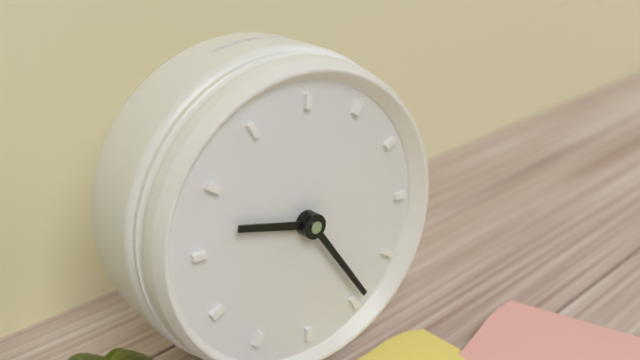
h=9 m=24
